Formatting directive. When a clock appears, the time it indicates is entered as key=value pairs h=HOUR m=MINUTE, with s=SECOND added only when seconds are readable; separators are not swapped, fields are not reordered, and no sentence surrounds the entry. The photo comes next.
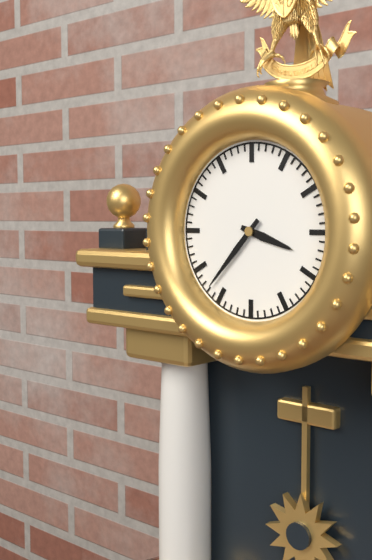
h=3 m=37
